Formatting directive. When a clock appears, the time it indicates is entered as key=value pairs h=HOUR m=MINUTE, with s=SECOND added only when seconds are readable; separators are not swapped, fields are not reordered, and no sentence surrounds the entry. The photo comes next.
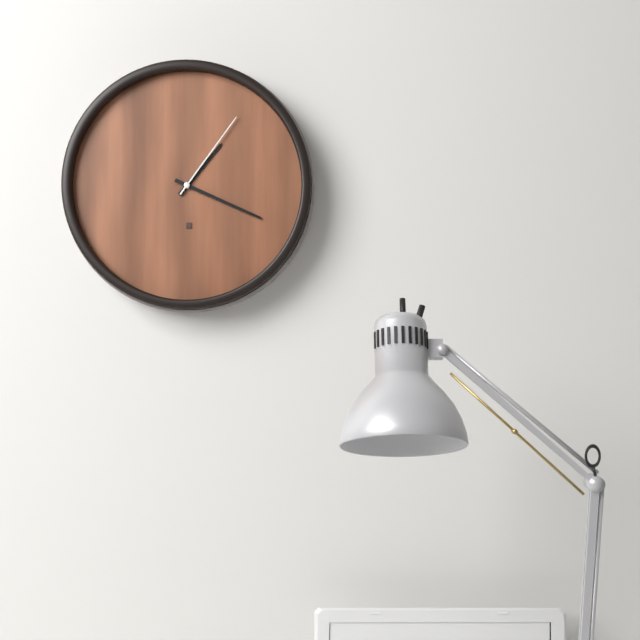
h=1 m=19 s=6
